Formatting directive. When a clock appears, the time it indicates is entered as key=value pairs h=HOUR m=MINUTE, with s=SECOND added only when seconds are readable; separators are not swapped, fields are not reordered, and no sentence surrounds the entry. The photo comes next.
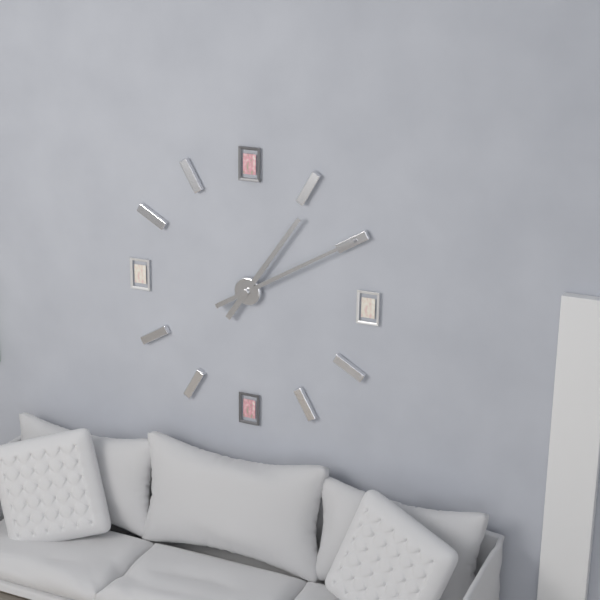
h=1 m=10
